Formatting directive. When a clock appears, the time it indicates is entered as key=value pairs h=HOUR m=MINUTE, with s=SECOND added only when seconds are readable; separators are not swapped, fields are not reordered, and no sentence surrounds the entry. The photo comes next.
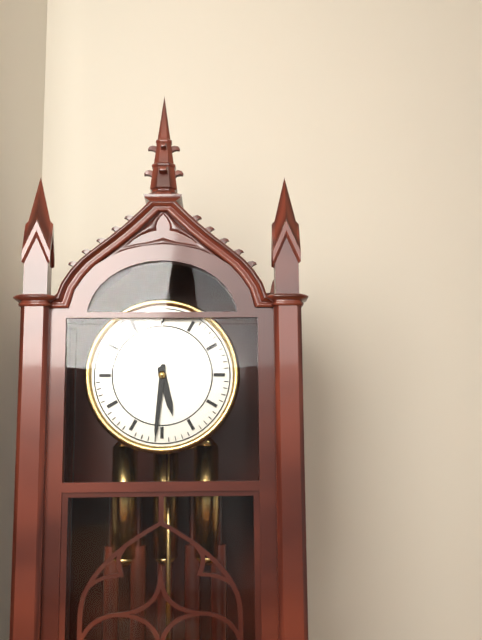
h=5 m=31
